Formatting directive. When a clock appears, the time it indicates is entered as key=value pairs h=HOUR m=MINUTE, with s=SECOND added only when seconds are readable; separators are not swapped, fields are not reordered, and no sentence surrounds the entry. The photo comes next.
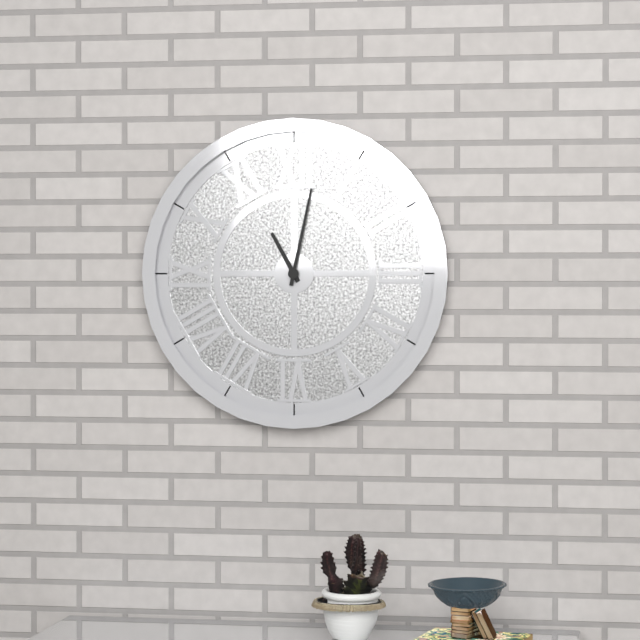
h=11 m=2
